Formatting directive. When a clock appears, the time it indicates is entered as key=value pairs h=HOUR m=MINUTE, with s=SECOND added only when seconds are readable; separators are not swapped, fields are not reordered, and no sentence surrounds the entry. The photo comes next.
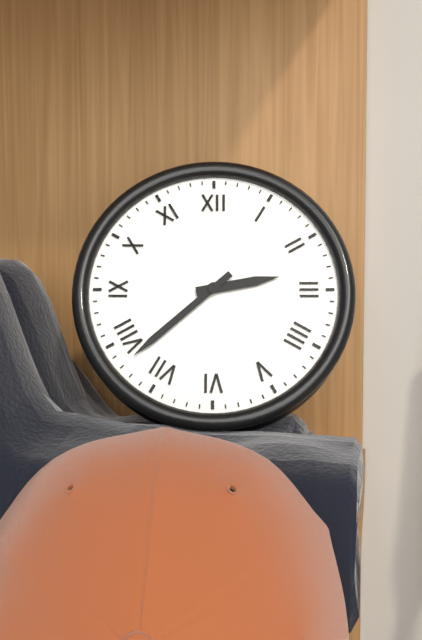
h=2 m=38
